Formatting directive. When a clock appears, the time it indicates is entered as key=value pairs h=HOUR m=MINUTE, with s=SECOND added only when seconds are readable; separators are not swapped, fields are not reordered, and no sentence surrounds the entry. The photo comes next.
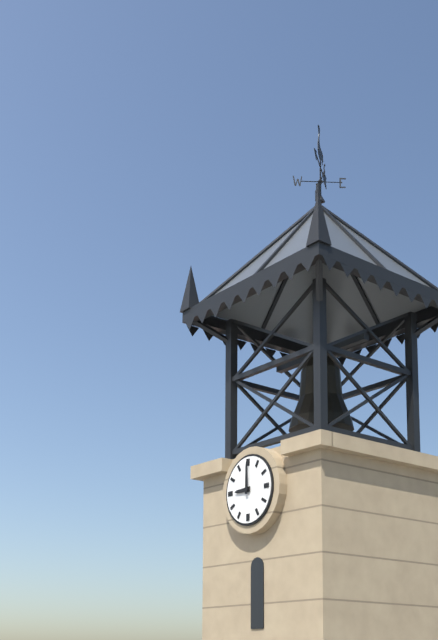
h=9 m=0
